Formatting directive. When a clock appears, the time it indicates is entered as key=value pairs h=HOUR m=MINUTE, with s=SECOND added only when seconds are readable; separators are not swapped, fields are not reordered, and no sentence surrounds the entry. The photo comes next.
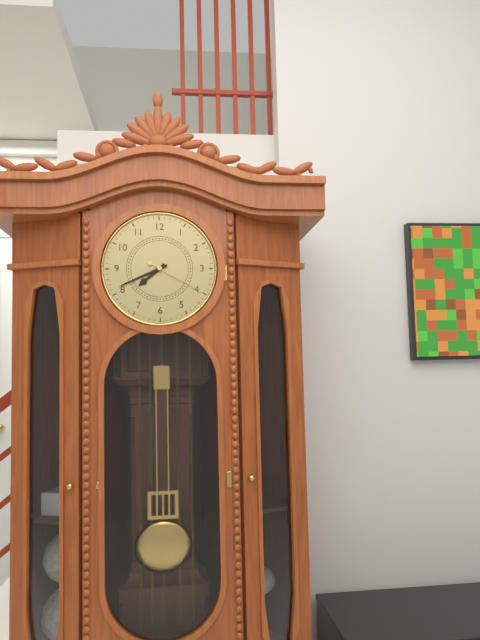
h=7 m=41 s=20
